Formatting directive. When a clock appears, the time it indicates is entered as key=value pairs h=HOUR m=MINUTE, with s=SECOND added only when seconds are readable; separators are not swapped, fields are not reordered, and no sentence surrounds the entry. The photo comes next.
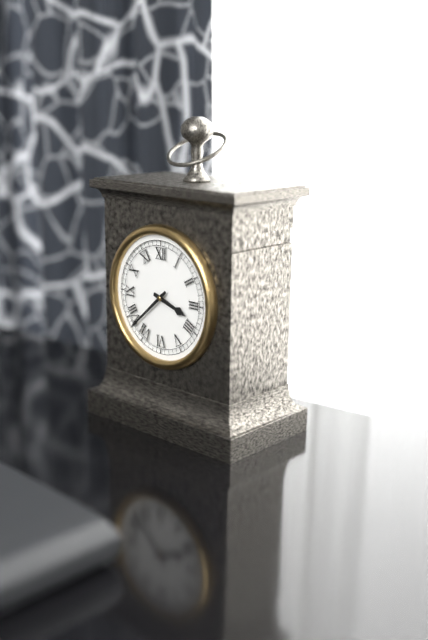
h=3 m=38
